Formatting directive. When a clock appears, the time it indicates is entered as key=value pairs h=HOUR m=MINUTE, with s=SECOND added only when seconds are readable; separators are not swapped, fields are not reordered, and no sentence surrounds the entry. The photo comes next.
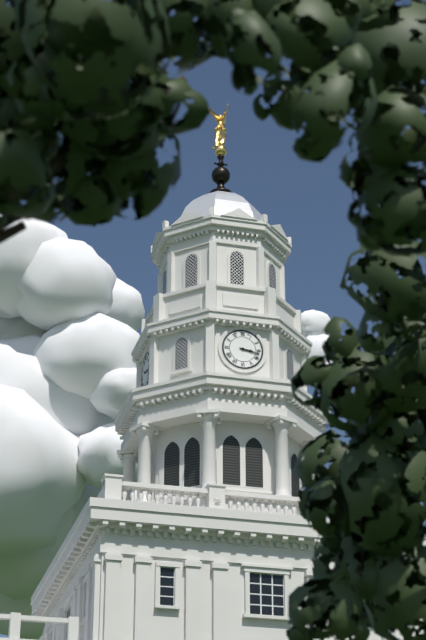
h=3 m=17
